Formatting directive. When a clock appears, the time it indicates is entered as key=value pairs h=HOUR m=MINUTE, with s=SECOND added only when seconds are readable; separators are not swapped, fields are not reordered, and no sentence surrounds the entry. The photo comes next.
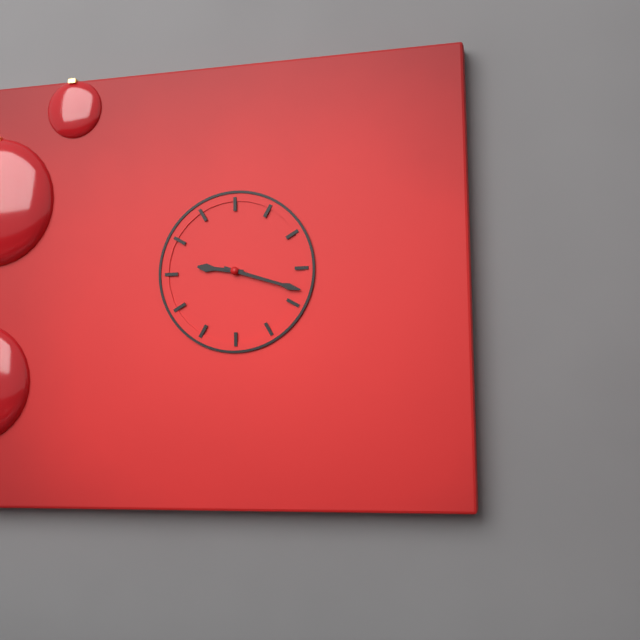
h=9 m=18
